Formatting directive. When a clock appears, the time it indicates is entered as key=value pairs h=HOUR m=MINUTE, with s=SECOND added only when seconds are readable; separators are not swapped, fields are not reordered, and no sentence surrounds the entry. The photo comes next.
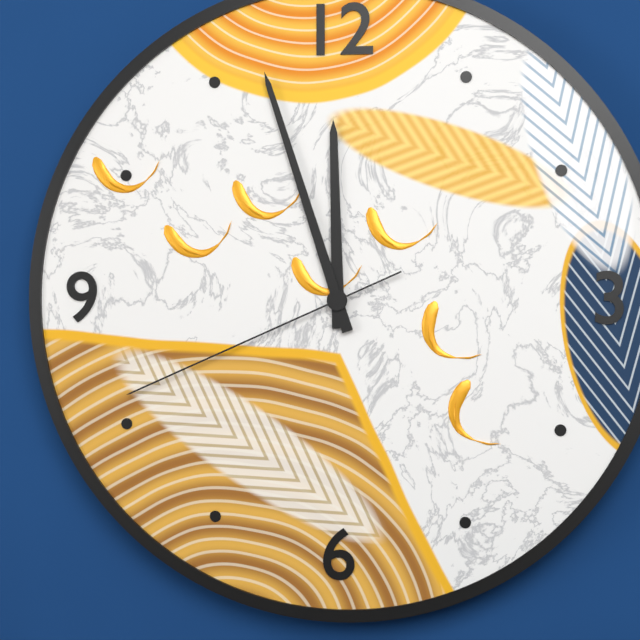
h=11 m=57 s=41
